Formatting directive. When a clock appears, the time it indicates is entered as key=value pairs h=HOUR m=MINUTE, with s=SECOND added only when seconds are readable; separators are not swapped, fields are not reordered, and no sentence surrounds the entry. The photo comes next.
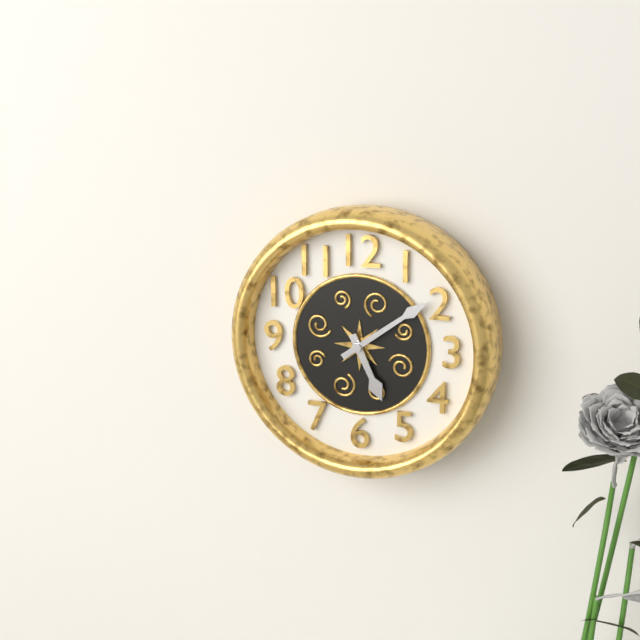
h=5 m=9
